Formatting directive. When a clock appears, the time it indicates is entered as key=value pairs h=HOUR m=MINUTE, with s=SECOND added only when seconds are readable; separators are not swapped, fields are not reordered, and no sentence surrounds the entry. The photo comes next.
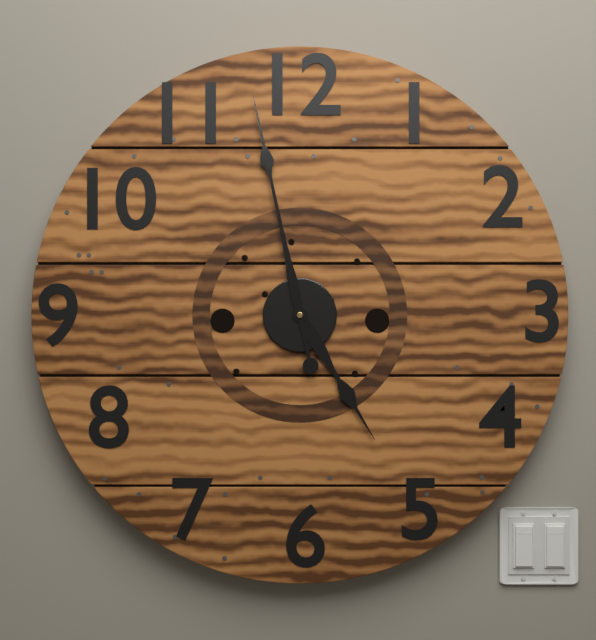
h=4 m=58
